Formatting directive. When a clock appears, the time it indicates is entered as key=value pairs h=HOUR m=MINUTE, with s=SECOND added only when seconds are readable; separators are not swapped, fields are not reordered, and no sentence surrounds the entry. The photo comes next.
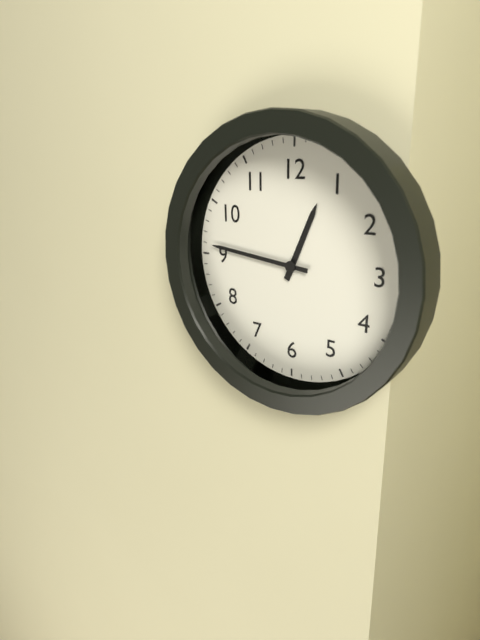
h=12 m=46
